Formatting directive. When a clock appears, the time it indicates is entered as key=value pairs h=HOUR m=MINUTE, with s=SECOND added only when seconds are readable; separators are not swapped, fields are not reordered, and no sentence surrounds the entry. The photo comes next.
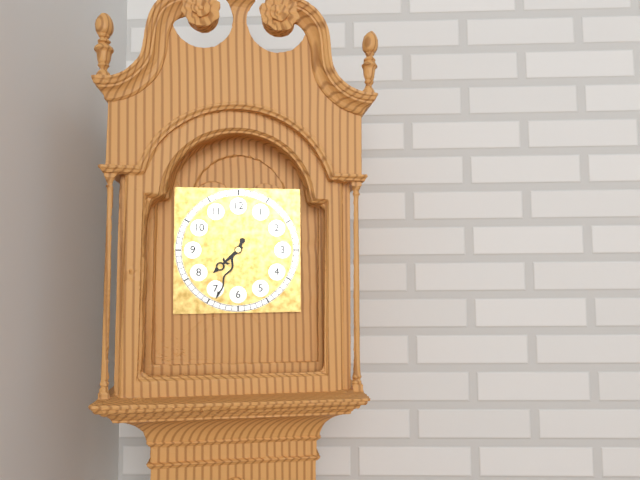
h=7 m=34
